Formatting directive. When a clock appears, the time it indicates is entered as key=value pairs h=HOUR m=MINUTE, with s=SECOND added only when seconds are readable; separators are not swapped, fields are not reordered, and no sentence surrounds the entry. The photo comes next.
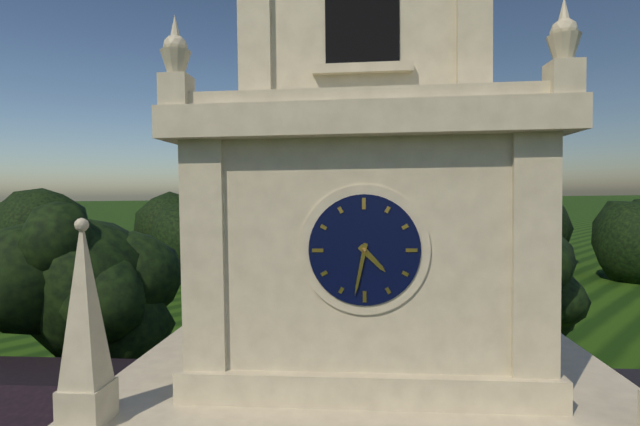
h=4 m=32
